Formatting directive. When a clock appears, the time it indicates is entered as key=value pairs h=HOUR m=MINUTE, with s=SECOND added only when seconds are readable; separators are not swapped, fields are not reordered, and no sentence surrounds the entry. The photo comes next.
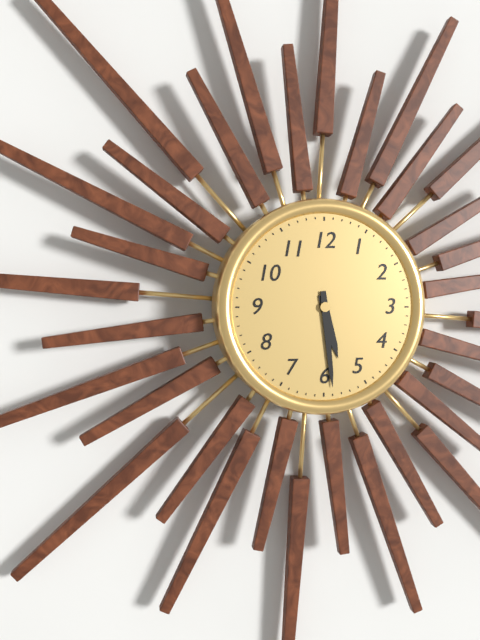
h=5 m=29
